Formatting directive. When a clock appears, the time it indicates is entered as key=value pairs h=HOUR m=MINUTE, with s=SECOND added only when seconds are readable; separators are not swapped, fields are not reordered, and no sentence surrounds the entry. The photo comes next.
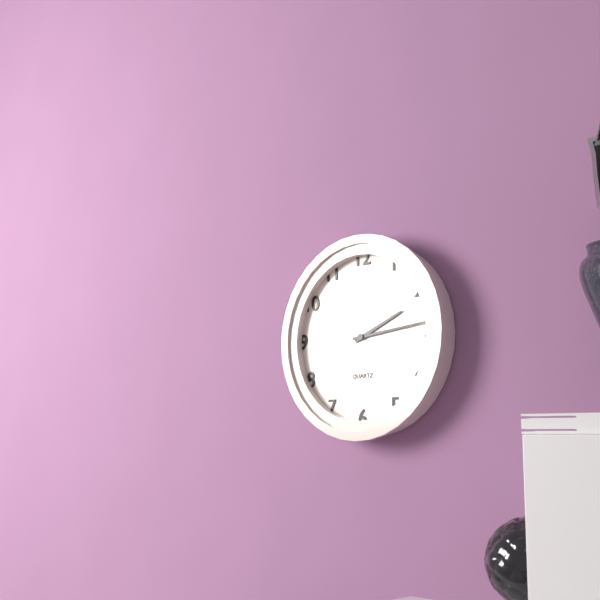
h=2 m=14
